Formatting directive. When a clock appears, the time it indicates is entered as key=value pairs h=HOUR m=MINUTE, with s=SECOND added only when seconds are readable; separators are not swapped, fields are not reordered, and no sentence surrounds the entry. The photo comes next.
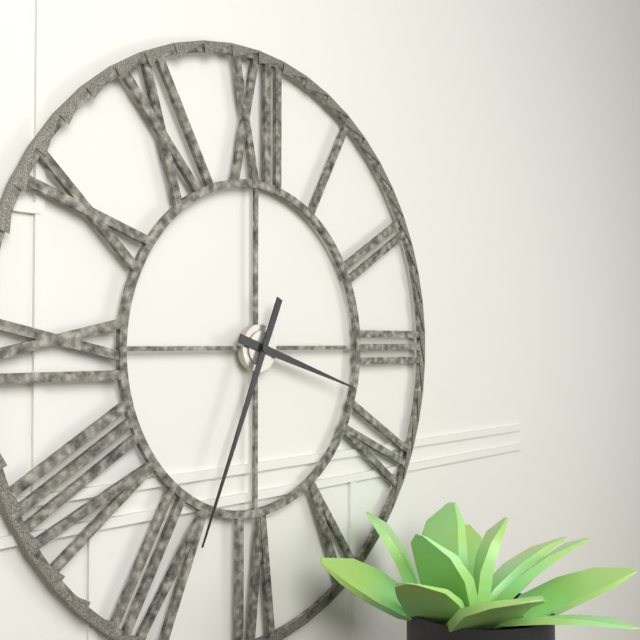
h=3 m=34
